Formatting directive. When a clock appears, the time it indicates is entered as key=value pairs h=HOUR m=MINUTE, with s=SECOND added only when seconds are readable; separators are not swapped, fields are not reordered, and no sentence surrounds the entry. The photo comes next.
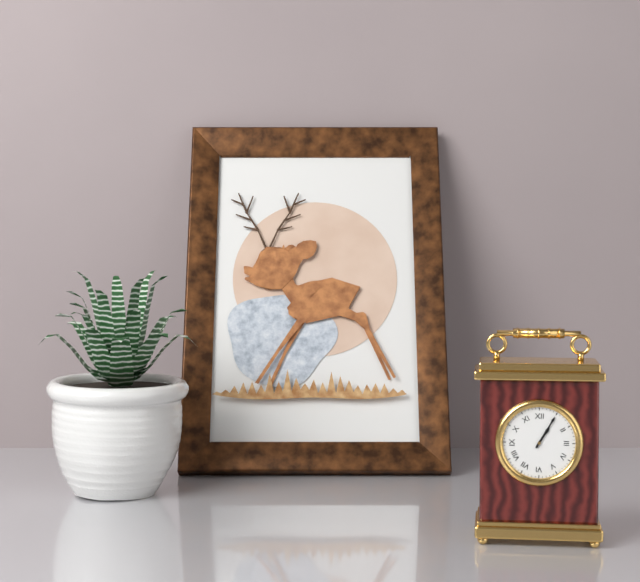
h=1 m=5
